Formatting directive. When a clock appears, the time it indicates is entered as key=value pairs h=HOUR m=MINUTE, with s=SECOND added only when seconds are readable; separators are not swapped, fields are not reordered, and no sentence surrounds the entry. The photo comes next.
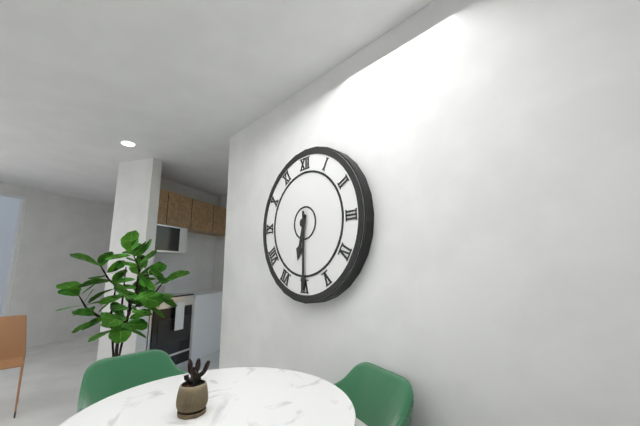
h=6 m=30
